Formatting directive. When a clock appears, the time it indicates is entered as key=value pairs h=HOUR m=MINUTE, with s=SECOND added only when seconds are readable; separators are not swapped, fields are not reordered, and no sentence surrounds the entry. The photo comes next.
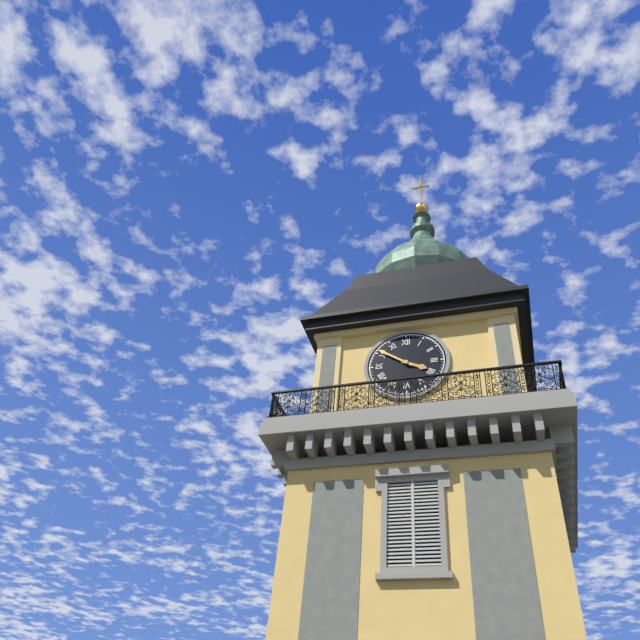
h=3 m=51
